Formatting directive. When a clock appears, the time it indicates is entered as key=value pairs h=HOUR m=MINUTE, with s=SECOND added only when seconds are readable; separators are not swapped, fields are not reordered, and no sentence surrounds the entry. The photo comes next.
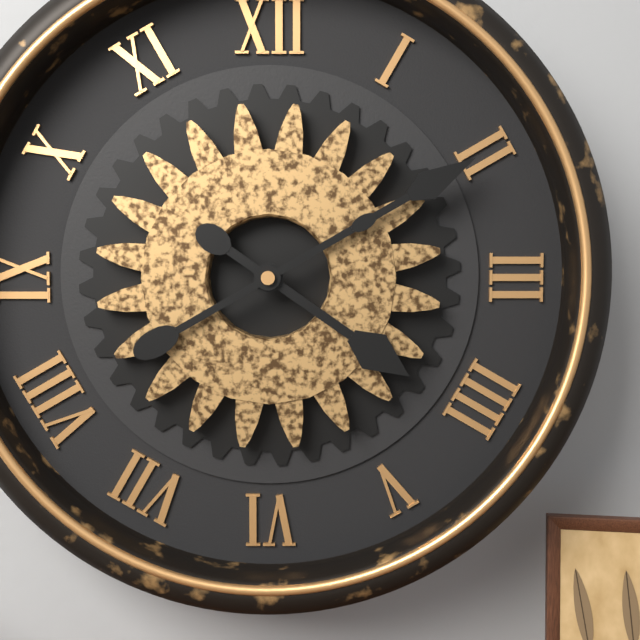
h=4 m=10
